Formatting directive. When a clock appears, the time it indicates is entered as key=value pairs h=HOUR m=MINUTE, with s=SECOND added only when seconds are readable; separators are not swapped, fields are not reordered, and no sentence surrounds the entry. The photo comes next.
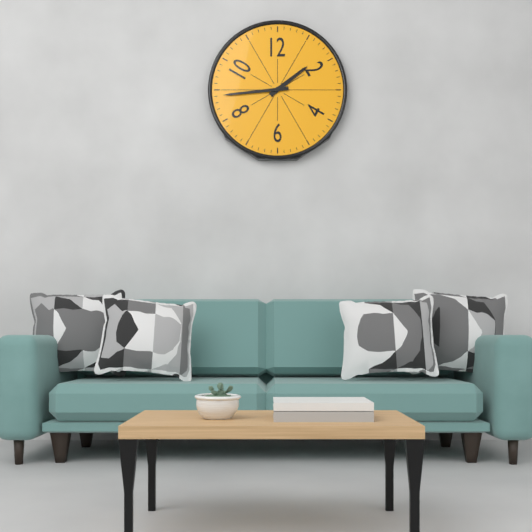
h=1 m=44
